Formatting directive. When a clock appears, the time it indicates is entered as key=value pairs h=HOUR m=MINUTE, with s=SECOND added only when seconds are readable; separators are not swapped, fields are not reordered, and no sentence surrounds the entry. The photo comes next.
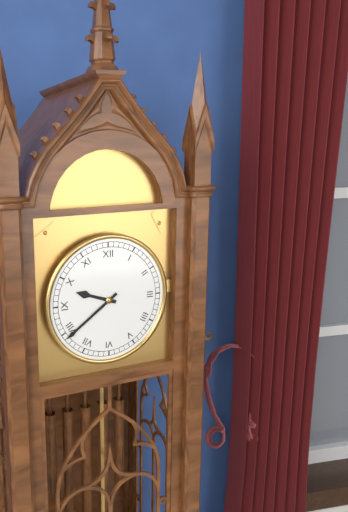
h=9 m=39
